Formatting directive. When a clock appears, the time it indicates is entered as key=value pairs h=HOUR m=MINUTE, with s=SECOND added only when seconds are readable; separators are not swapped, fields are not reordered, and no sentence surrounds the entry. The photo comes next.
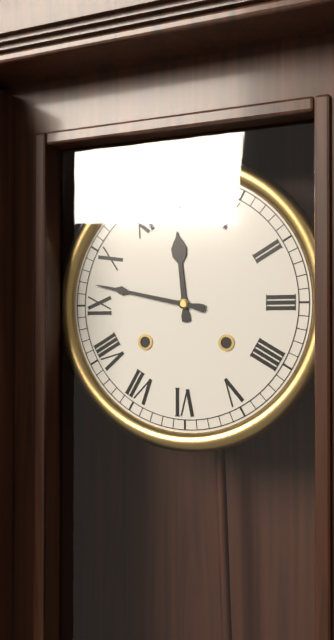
h=11 m=47
